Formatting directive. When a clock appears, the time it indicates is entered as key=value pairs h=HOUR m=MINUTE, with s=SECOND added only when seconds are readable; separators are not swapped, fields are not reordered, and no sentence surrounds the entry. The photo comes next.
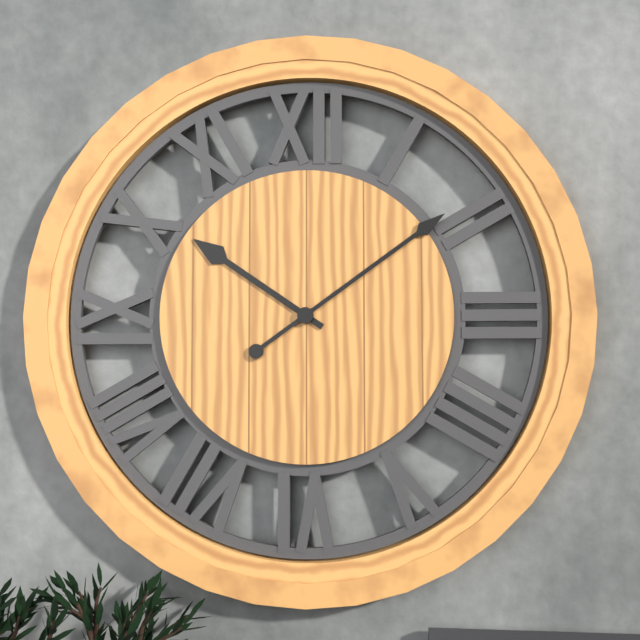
h=10 m=9
